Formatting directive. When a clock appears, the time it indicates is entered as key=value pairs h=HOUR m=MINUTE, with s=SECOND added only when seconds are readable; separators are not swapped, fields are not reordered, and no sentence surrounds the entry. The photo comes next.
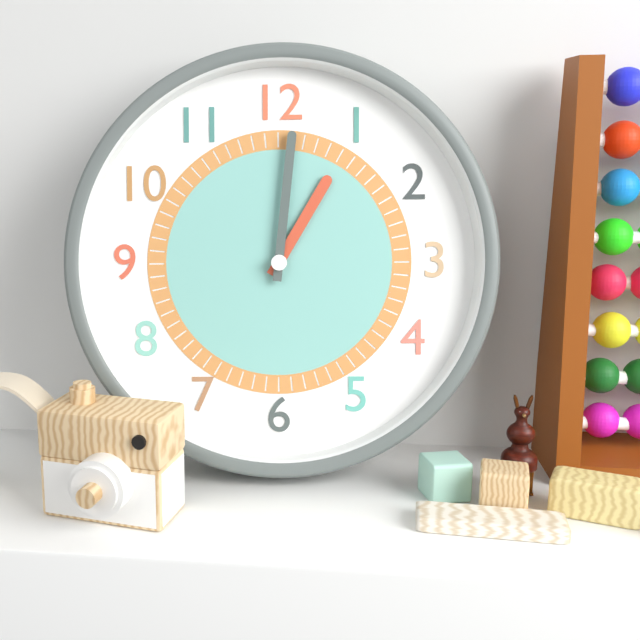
h=1 m=1
